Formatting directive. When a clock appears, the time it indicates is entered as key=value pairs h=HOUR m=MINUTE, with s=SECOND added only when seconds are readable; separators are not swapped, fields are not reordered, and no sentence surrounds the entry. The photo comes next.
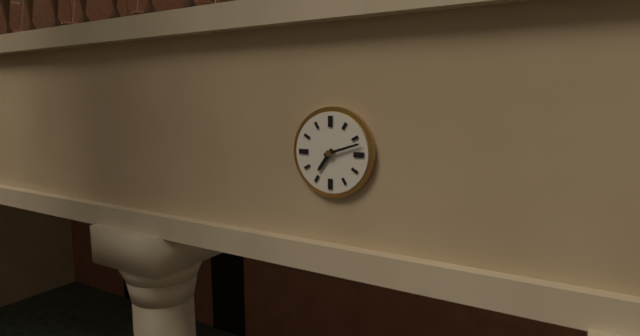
h=7 m=12
